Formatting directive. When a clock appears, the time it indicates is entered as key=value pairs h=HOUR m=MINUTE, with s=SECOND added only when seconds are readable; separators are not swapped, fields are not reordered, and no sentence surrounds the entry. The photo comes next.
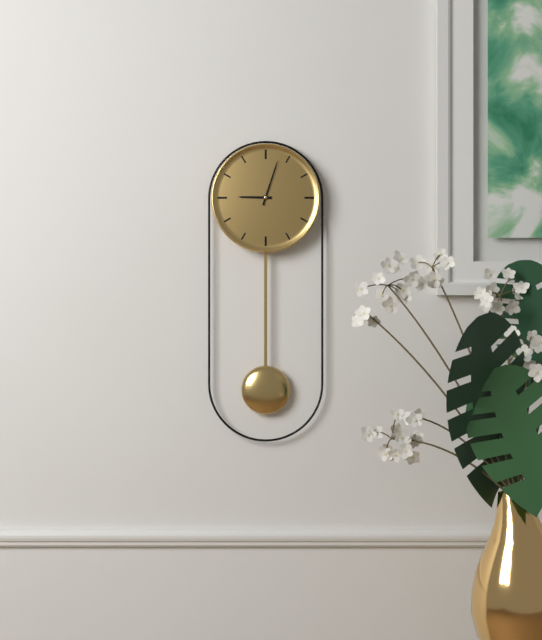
h=9 m=3
